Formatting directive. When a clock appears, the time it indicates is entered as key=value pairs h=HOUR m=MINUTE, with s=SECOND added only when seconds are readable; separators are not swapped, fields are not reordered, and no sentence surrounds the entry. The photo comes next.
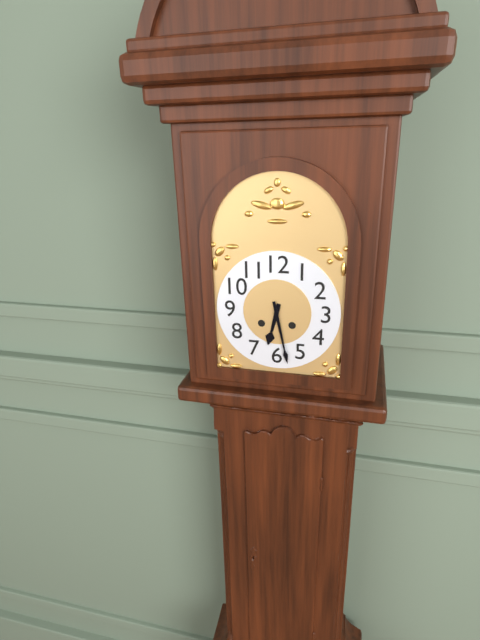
h=6 m=28
